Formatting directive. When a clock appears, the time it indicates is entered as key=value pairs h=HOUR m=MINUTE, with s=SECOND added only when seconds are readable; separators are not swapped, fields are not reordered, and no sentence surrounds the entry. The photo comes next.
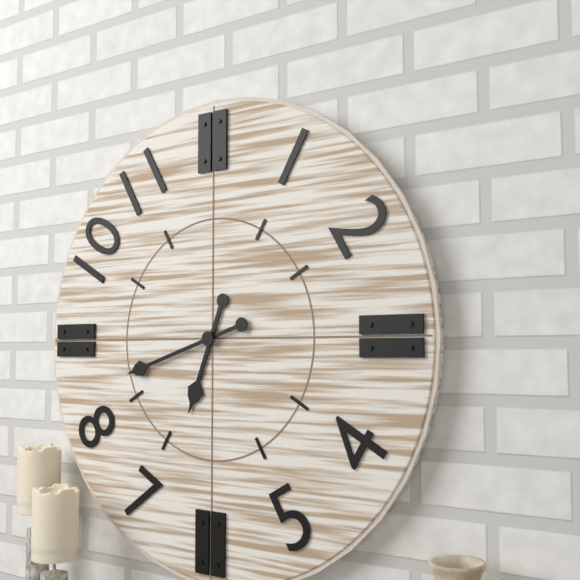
h=6 m=42
